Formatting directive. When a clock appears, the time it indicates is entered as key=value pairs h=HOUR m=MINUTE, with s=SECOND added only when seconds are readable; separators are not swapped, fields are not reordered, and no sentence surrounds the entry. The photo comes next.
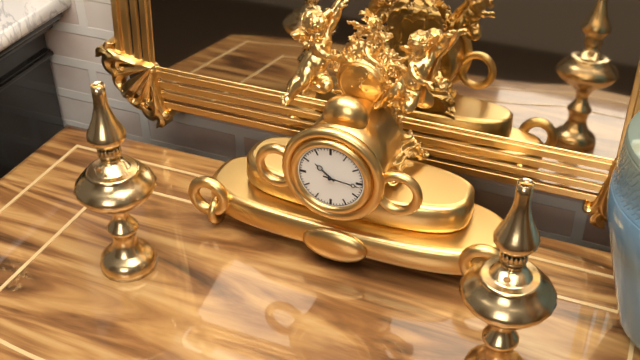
h=10 m=16
